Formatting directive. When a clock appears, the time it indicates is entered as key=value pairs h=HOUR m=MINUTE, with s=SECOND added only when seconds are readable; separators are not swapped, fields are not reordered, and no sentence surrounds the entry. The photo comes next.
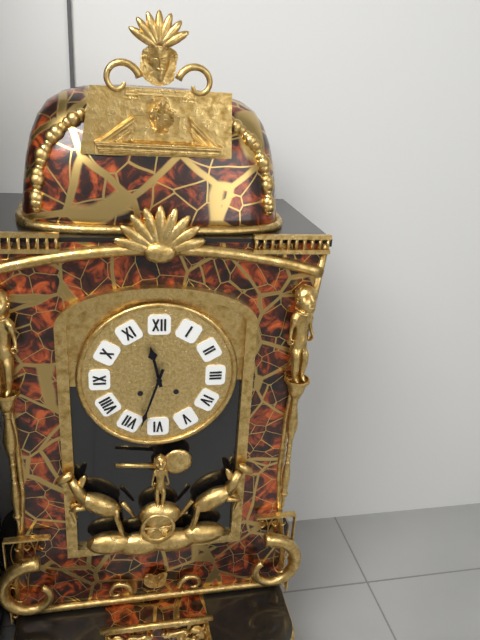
h=11 m=33
